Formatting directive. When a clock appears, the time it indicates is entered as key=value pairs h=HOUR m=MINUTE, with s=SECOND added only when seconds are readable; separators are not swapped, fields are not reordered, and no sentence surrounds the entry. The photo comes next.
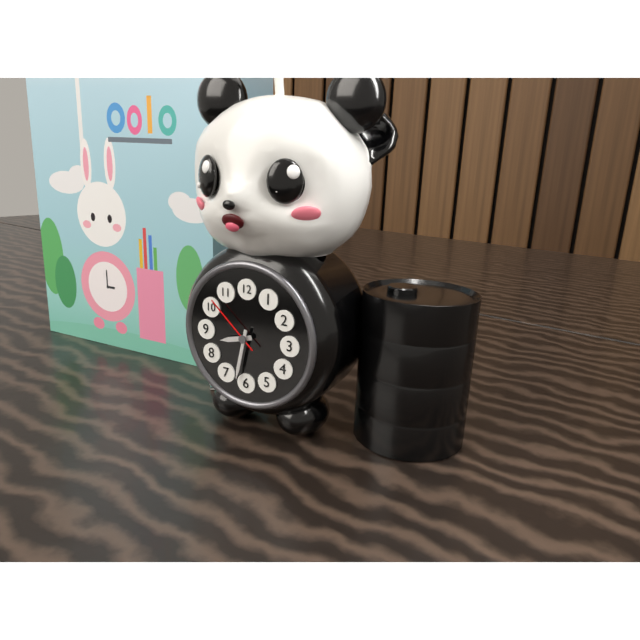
h=8 m=32 s=52
